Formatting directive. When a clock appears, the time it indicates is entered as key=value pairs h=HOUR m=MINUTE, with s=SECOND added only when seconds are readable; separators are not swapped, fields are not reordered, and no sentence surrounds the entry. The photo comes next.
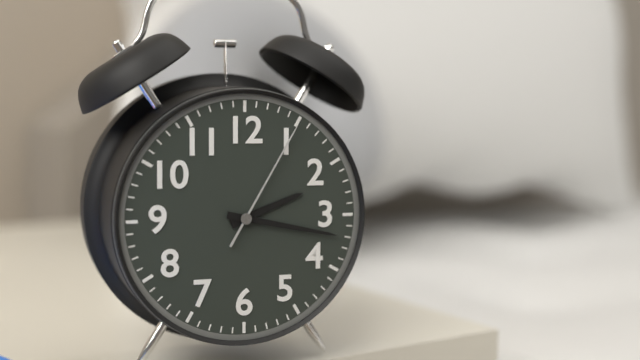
h=2 m=17 s=5
